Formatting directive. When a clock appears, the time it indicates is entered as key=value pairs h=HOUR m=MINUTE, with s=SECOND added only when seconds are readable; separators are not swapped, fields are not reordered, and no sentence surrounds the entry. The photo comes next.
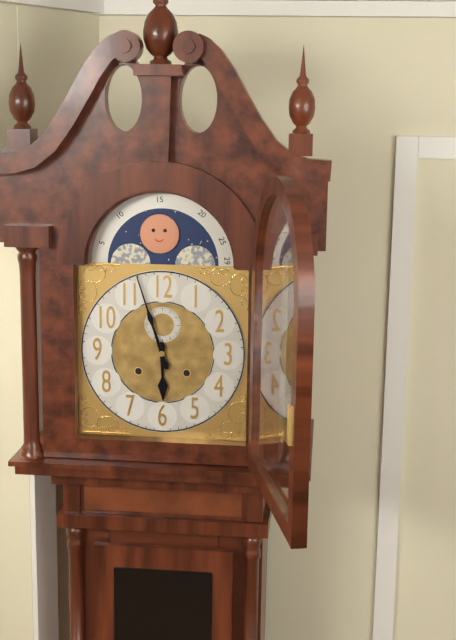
h=5 m=57
